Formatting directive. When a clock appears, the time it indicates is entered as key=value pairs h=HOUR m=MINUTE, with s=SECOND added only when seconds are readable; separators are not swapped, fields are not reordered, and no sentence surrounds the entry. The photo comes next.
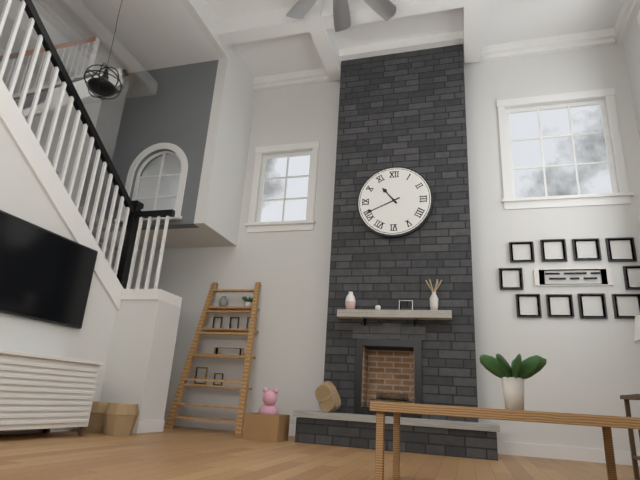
h=10 m=41
